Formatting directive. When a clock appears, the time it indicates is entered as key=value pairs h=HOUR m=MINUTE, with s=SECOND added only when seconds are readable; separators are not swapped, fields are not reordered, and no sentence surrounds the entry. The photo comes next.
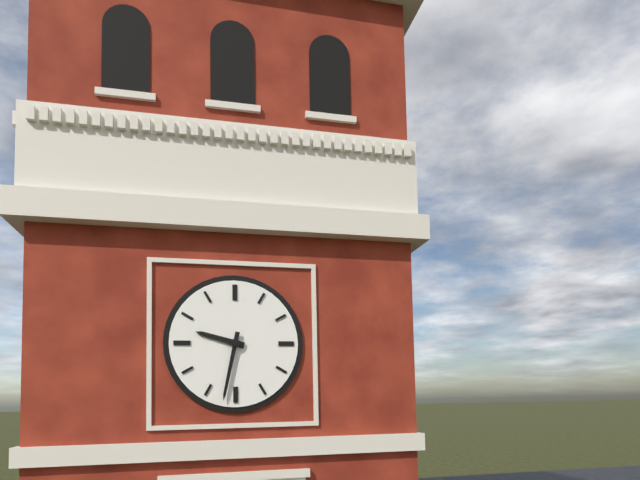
h=9 m=32
